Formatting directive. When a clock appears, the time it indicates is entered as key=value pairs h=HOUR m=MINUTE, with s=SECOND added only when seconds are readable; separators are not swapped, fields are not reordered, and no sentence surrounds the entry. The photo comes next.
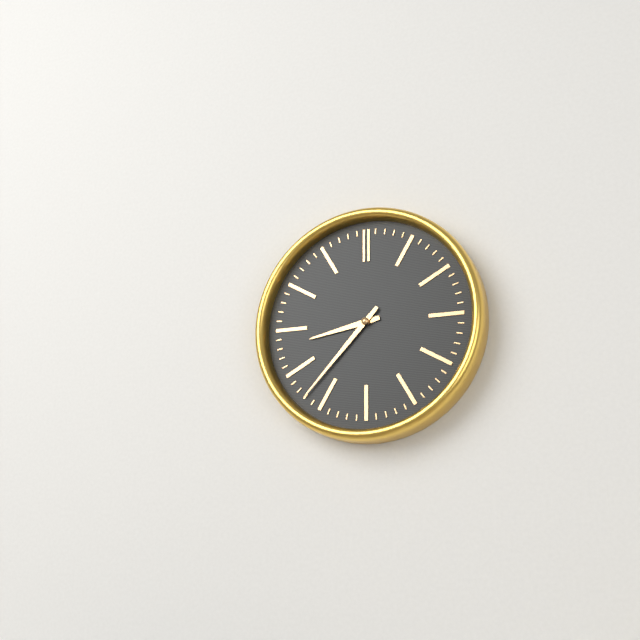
h=8 m=37
